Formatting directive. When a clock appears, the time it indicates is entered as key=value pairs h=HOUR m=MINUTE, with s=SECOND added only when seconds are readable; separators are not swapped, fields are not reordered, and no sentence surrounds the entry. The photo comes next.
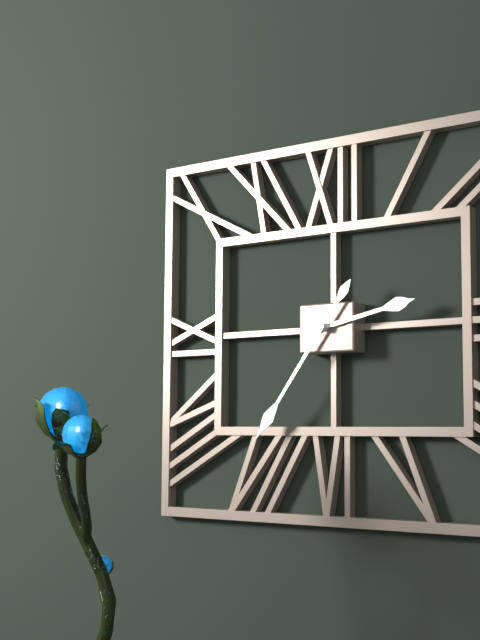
h=2 m=36
